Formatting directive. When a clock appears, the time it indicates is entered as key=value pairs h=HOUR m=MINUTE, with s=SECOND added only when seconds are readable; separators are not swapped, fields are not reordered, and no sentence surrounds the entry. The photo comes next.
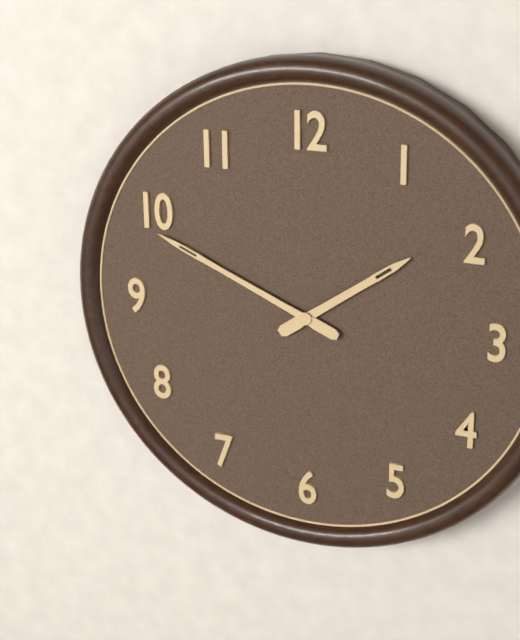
h=1 m=49
